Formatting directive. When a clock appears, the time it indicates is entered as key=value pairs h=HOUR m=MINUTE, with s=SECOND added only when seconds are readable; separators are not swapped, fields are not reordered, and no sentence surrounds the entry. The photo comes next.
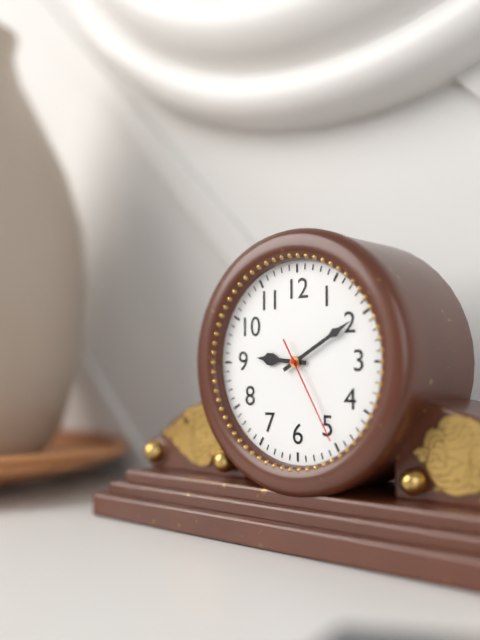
h=9 m=10 s=25
